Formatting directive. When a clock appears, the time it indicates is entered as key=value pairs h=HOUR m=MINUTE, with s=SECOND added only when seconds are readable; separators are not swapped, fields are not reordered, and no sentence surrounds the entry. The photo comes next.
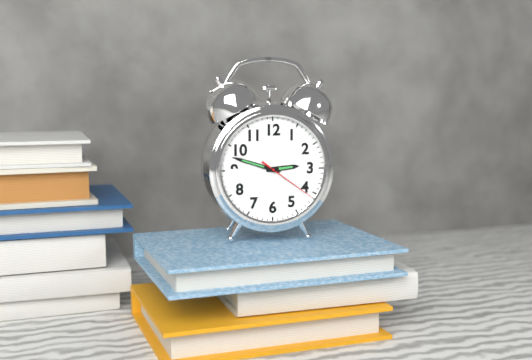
h=2 m=48 s=21
